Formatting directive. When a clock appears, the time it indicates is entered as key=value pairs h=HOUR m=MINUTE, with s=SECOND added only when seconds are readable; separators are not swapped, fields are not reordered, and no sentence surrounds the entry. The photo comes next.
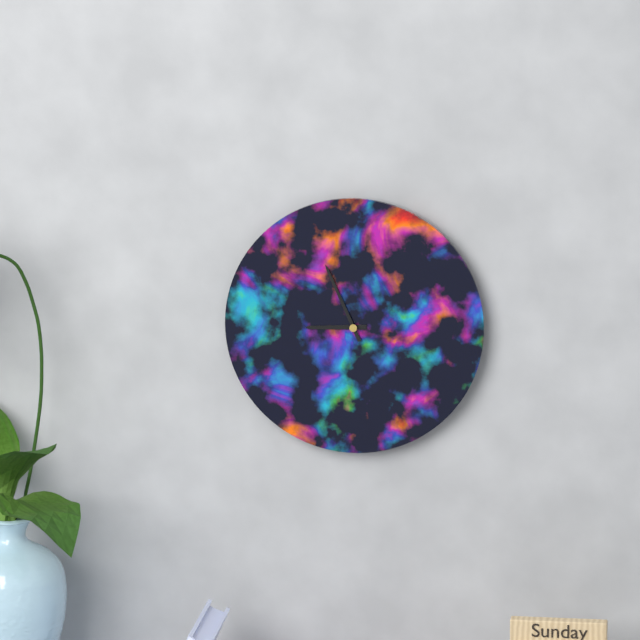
h=8 m=56
